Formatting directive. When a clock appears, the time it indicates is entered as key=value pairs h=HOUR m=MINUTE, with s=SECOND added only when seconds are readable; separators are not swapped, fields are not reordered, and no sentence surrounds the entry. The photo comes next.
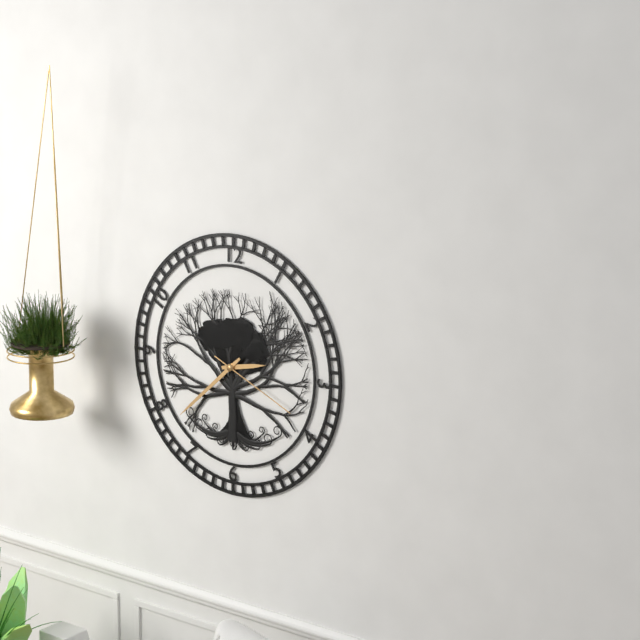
h=2 m=38 s=19
